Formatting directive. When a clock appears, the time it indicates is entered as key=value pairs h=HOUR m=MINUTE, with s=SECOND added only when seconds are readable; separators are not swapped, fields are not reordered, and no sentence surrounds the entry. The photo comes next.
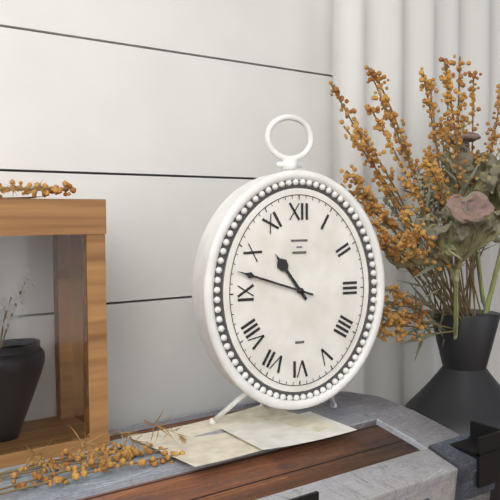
h=10 m=48
